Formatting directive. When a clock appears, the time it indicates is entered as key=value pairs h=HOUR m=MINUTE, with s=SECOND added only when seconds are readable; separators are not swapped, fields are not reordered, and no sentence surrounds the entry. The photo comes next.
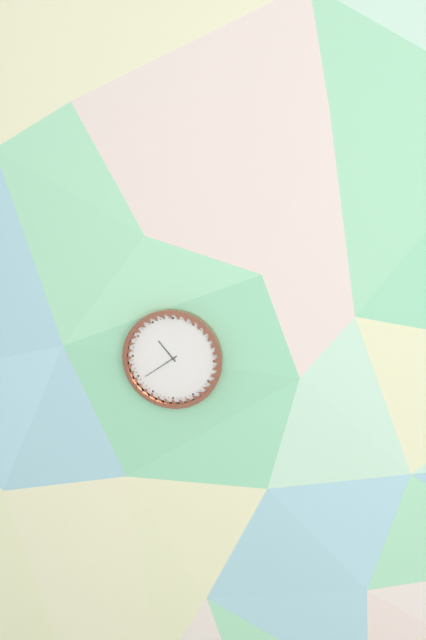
h=10 m=39
